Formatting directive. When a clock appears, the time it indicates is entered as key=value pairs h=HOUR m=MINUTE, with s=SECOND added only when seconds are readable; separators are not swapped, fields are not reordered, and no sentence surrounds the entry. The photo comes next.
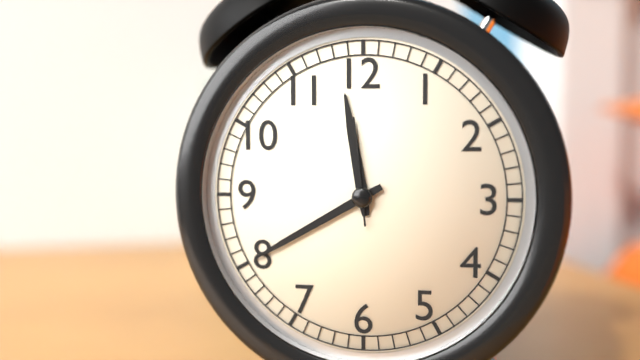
h=11 m=40 s=59
